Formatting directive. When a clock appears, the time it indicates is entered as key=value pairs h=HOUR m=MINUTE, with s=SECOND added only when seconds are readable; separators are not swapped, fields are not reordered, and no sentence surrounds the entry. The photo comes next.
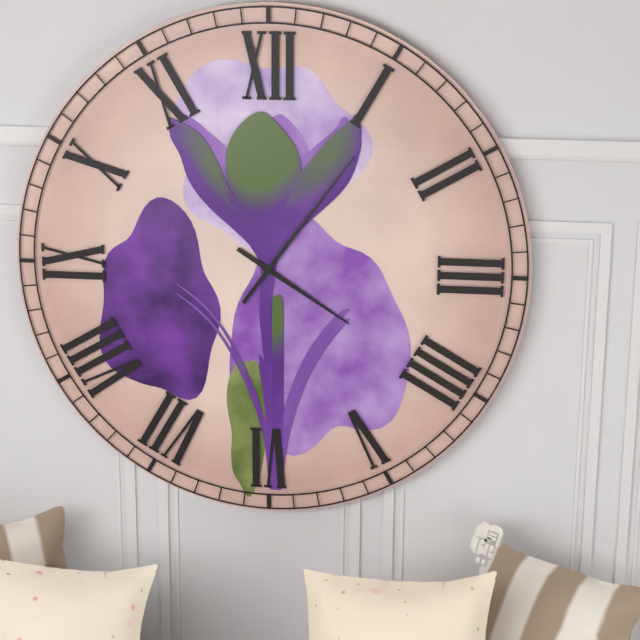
h=4 m=6
